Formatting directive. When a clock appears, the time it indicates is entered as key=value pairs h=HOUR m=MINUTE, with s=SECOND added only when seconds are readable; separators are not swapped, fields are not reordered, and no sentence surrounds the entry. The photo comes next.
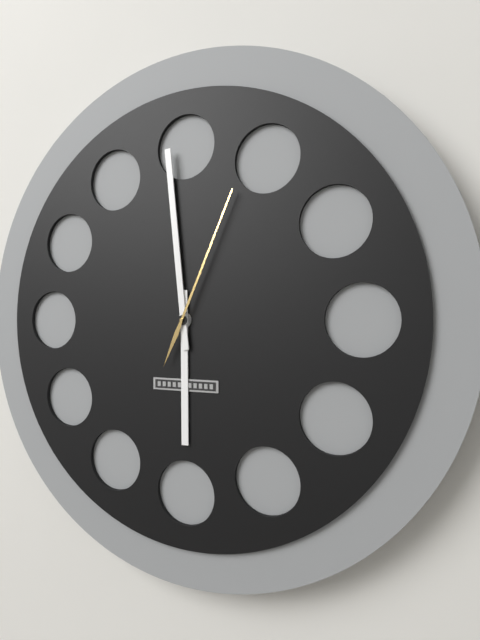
h=5 m=59 s=4
